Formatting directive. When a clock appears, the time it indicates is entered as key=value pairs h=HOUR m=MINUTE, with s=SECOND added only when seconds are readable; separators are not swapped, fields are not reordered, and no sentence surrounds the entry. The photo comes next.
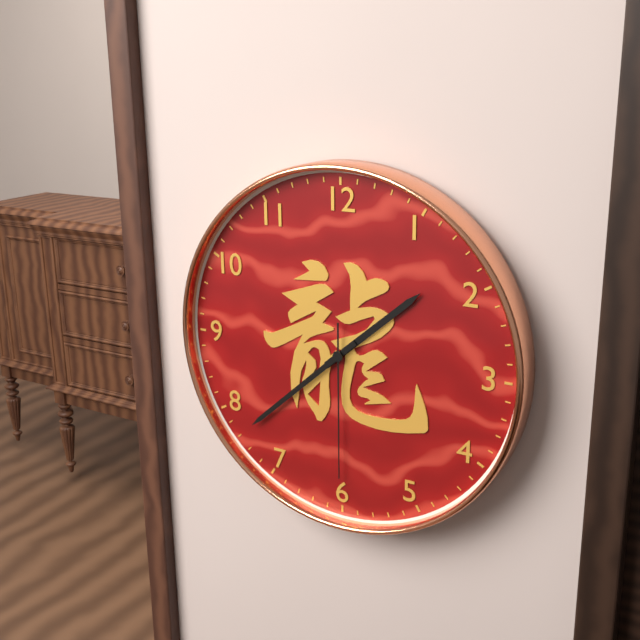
h=1 m=38 s=30
